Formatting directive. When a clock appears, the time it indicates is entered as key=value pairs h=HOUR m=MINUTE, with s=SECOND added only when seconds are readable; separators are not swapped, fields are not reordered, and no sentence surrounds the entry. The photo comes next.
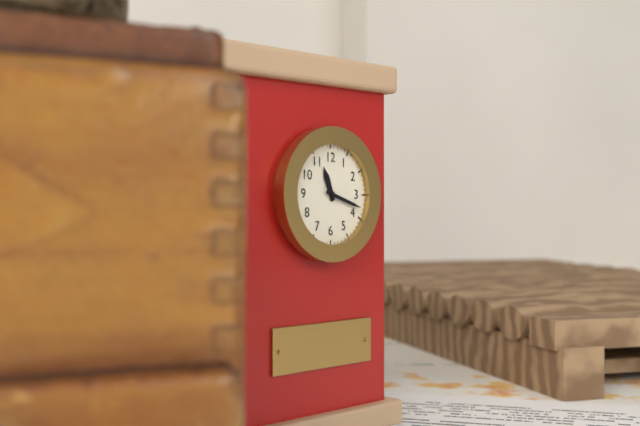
h=11 m=18
